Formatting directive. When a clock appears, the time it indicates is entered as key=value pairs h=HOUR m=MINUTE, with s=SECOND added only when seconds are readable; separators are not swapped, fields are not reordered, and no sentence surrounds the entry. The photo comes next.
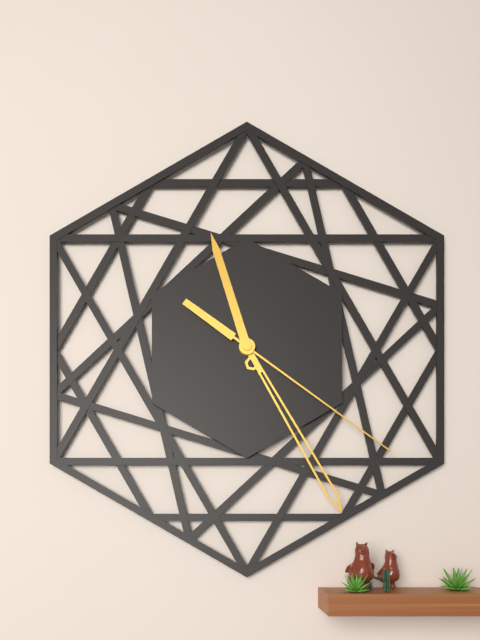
h=11 m=25 s=21
